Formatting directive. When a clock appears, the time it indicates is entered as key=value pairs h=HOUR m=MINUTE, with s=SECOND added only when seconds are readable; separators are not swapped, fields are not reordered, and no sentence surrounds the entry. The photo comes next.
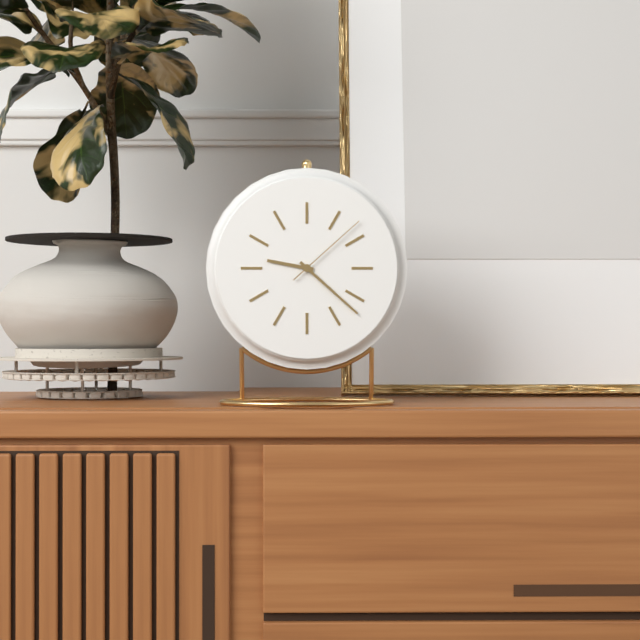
h=9 m=22 s=8
